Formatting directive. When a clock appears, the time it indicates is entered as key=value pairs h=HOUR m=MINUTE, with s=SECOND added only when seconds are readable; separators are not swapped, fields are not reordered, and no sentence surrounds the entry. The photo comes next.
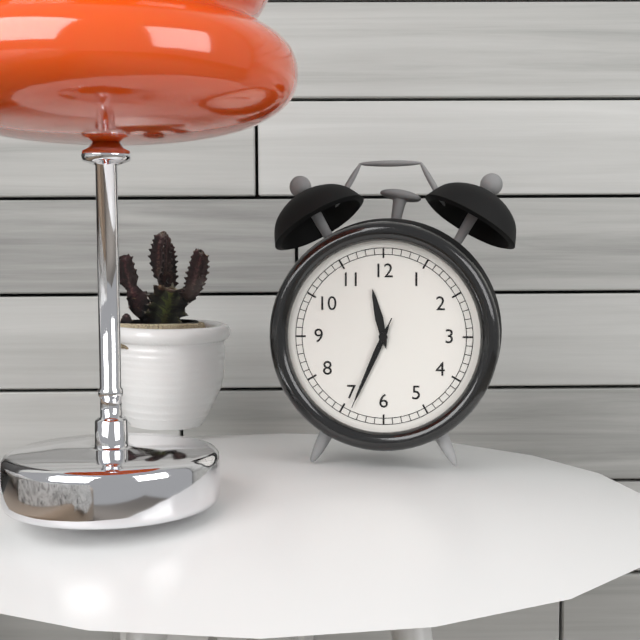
h=11 m=34 s=34
